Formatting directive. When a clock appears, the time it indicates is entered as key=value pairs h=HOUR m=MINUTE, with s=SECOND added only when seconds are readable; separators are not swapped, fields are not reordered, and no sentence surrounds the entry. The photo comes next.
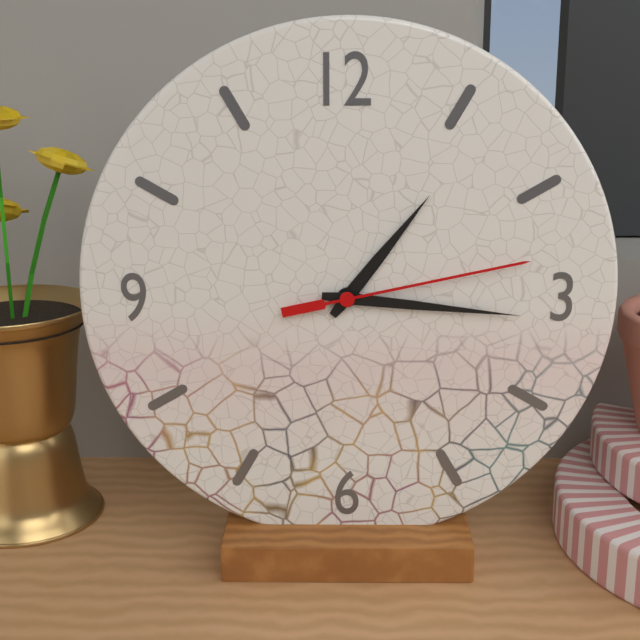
h=1 m=16 s=13
